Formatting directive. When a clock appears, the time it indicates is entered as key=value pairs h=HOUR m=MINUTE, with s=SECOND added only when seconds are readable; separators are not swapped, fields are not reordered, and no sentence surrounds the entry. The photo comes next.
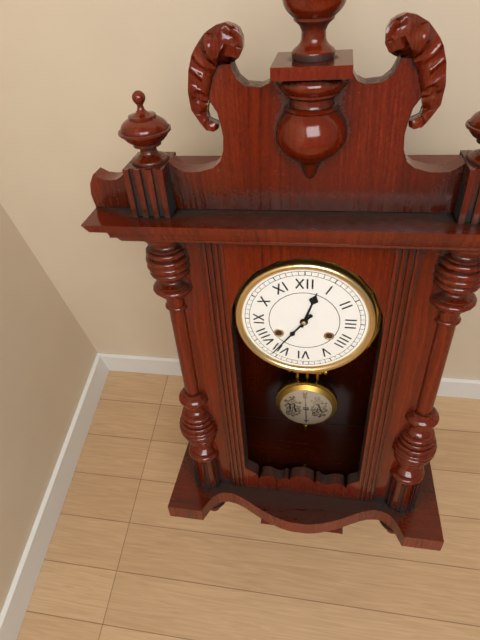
h=12 m=36
